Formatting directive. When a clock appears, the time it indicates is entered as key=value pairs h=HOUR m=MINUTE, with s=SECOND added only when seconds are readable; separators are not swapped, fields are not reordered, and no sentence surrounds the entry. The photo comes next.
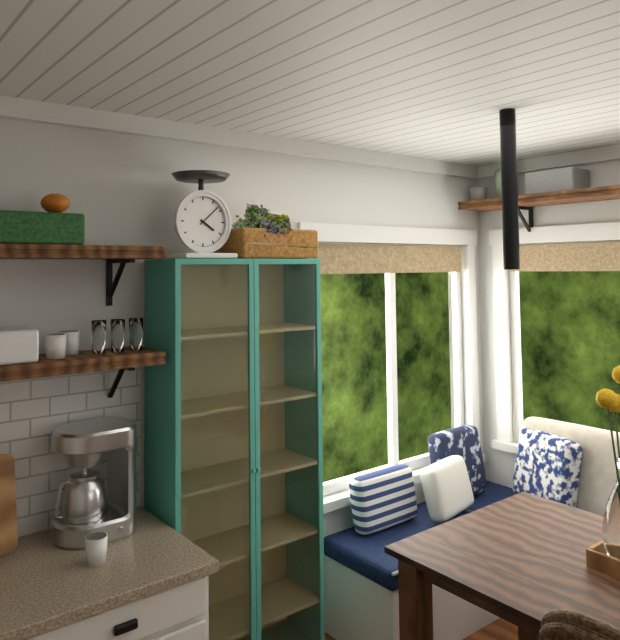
h=4 m=8
